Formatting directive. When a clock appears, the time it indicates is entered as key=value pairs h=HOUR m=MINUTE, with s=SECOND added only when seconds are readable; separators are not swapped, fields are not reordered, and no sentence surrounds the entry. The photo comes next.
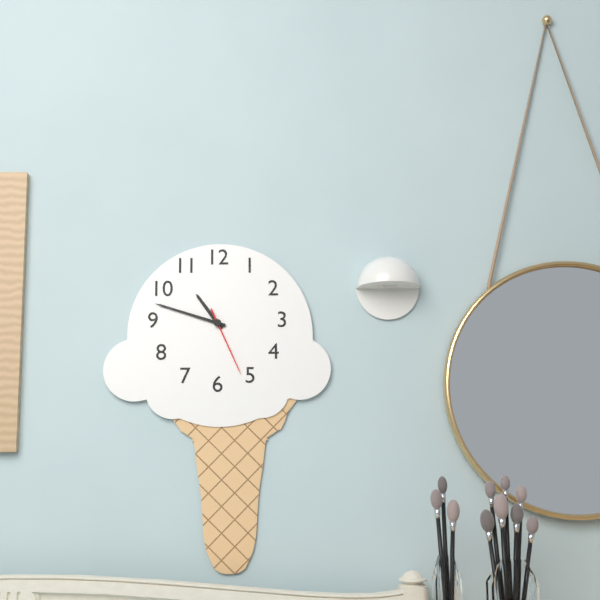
h=10 m=48 s=26
